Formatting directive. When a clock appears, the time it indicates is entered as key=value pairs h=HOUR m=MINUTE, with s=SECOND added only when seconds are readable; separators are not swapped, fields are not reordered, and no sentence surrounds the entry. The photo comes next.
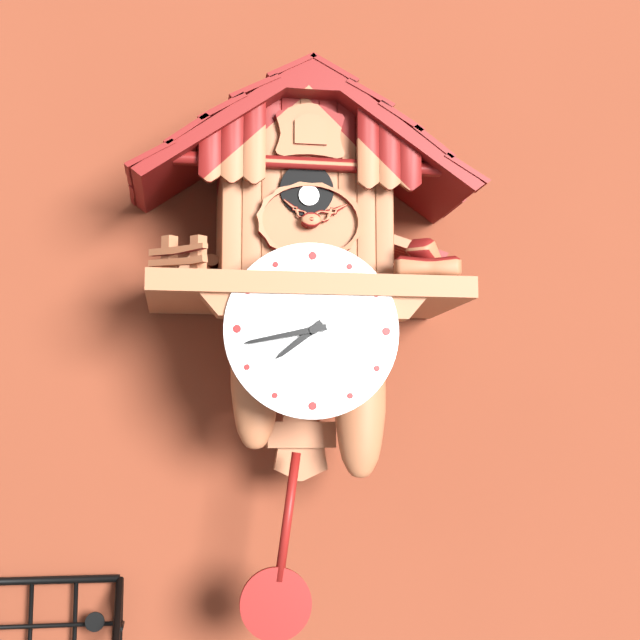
h=7 m=43
